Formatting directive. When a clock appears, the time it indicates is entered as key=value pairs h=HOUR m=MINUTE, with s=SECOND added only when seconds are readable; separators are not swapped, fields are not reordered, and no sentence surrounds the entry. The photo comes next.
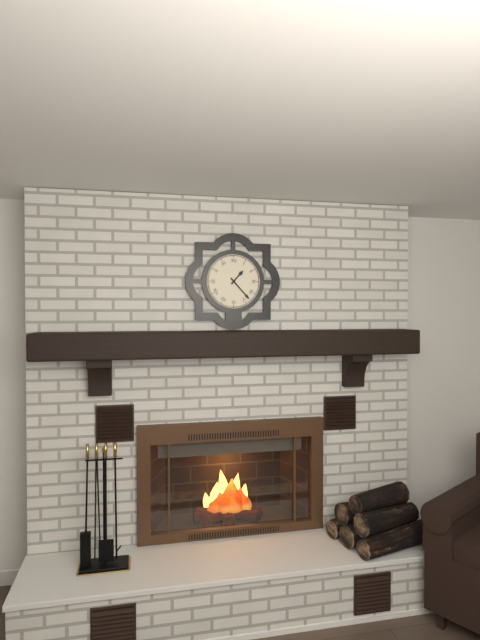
h=1 m=23
